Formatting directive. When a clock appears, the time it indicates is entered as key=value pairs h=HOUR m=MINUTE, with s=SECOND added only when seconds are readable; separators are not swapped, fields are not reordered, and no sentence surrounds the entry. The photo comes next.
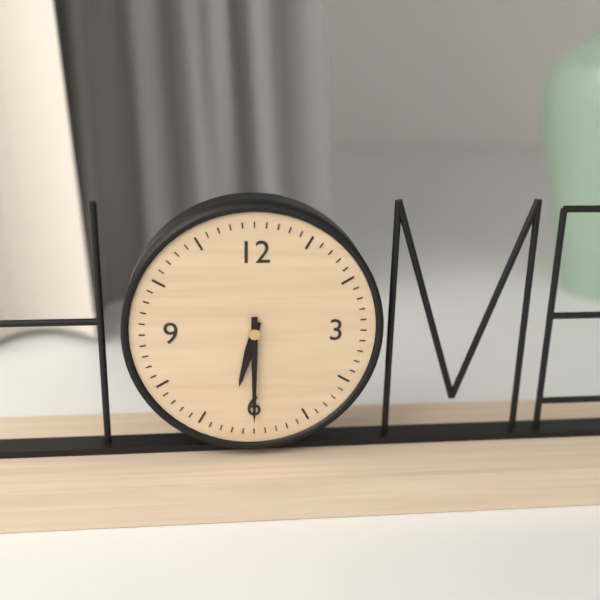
h=6 m=30
